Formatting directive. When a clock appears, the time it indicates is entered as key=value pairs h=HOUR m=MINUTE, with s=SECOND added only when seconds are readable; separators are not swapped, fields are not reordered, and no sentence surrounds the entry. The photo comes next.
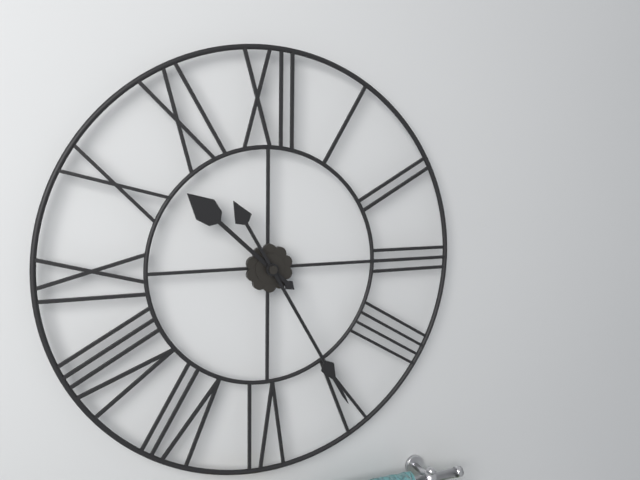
h=10 m=25
